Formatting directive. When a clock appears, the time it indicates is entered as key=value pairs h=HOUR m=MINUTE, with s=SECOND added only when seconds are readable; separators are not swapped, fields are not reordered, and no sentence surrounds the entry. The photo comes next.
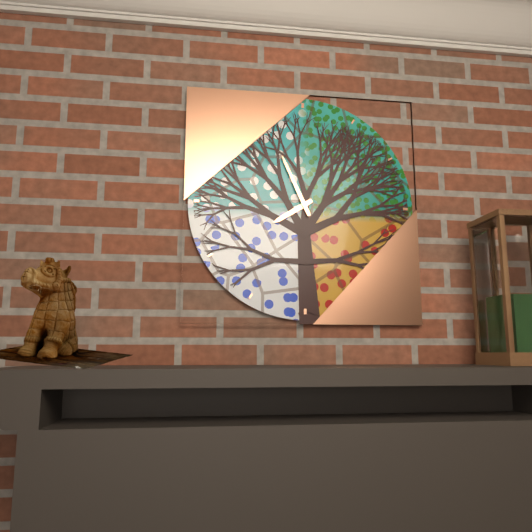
h=7 m=56
